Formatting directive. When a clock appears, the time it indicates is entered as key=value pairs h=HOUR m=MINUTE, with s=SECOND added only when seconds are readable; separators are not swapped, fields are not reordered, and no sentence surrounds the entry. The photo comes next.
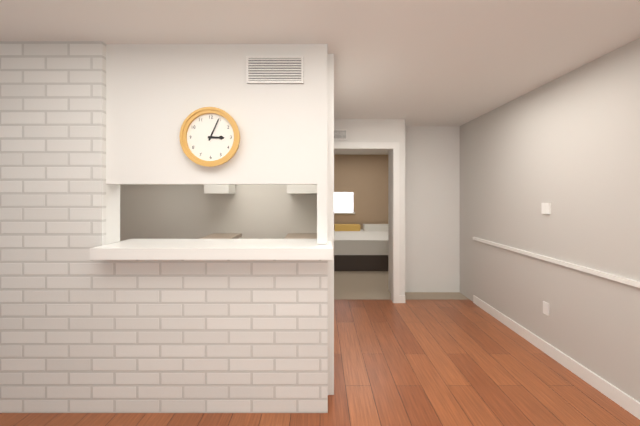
h=3 m=4
